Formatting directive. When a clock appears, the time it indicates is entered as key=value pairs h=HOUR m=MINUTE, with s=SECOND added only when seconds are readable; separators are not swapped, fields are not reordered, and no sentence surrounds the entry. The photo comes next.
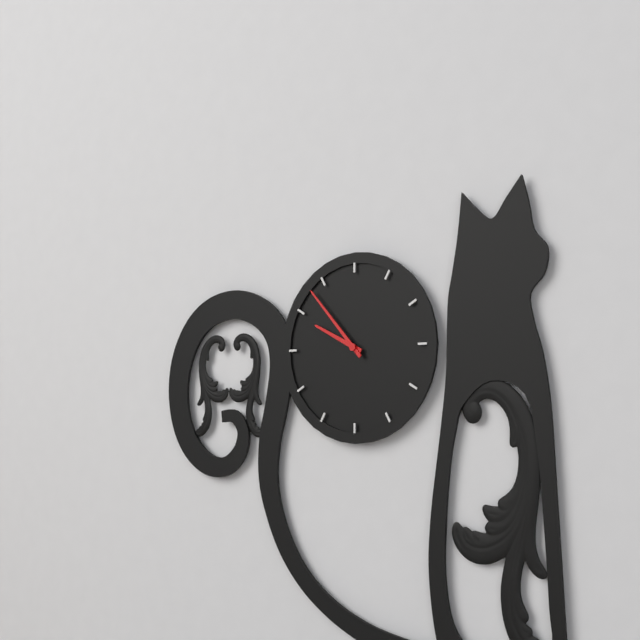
h=9 m=53
